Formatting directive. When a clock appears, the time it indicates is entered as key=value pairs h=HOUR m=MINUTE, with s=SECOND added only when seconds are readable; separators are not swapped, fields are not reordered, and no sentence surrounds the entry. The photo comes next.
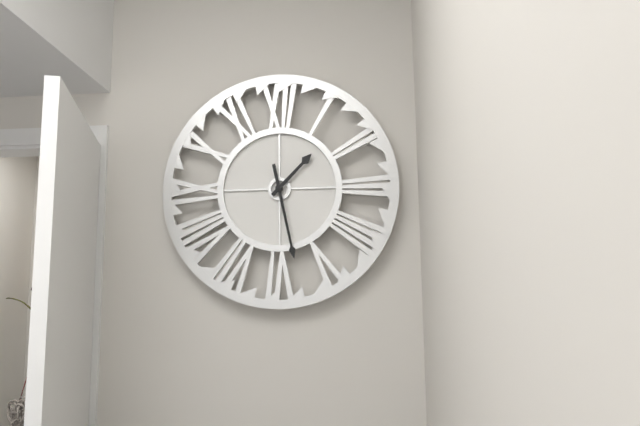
h=1 m=28
